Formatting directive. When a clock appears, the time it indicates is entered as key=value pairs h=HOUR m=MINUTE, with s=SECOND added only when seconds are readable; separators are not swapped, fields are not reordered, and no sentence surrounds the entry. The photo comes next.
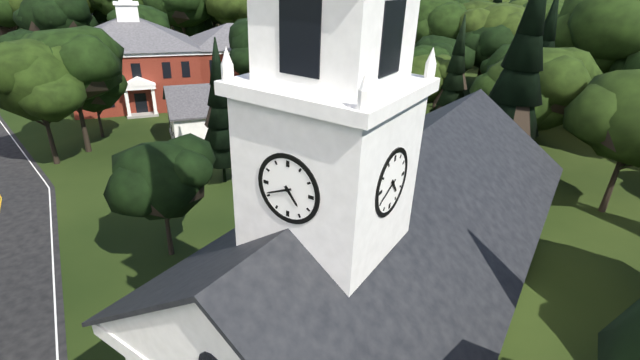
h=4 m=41
